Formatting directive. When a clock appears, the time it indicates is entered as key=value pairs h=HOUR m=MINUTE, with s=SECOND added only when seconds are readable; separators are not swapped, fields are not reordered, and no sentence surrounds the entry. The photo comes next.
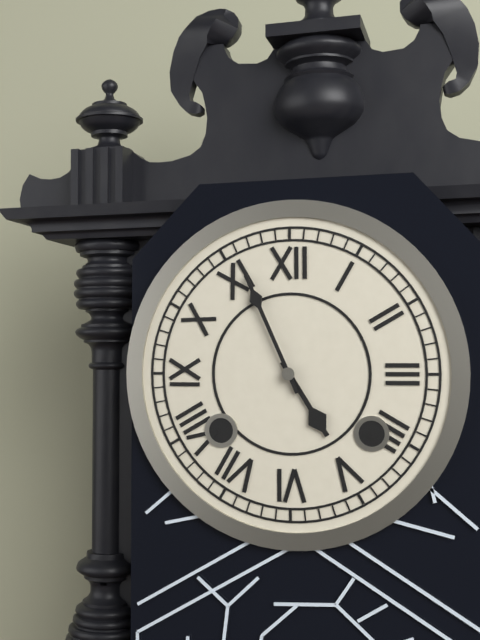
h=4 m=56
